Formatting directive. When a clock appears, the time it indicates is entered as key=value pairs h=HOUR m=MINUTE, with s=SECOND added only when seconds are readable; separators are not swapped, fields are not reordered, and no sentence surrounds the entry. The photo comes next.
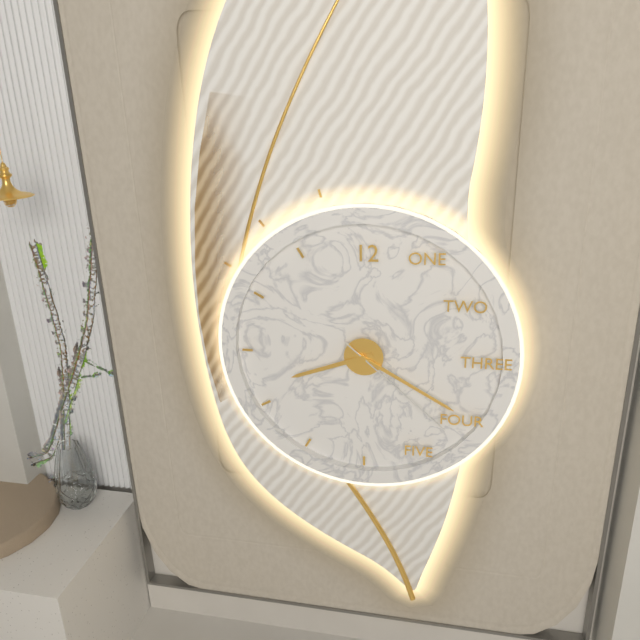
h=8 m=20 s=22
